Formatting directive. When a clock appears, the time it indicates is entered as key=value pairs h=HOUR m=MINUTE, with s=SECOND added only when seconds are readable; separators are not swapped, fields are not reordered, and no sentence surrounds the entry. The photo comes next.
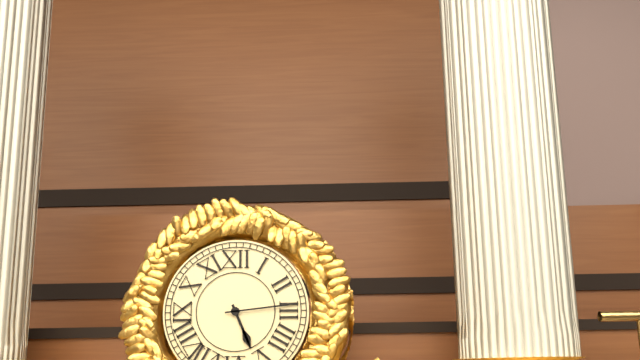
h=5 m=14
